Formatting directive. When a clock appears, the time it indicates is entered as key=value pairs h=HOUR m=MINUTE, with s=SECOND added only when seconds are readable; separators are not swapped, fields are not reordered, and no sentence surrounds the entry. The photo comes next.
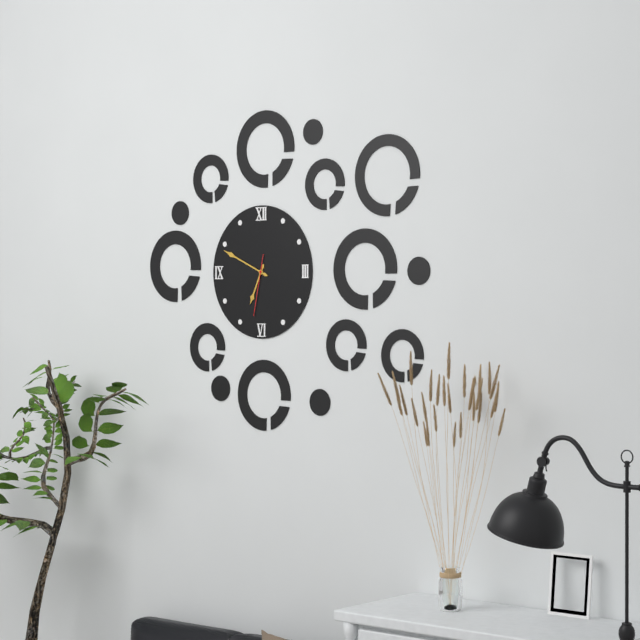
h=6 m=49 s=32
